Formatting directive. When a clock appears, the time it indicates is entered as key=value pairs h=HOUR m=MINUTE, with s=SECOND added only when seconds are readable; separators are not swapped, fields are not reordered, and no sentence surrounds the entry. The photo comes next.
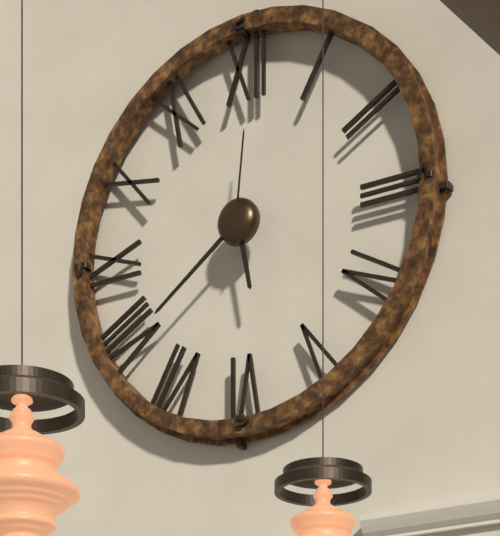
h=5 m=39 s=1
